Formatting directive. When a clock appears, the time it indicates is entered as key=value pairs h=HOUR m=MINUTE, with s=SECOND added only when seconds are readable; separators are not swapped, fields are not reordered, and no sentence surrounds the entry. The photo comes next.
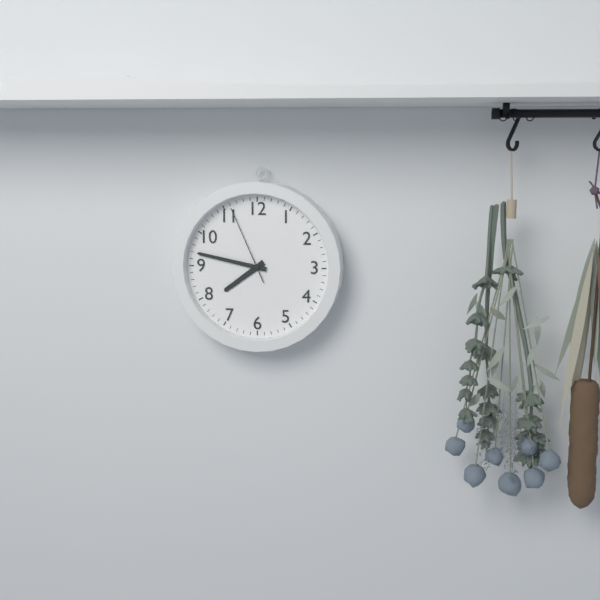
h=7 m=47 s=56
